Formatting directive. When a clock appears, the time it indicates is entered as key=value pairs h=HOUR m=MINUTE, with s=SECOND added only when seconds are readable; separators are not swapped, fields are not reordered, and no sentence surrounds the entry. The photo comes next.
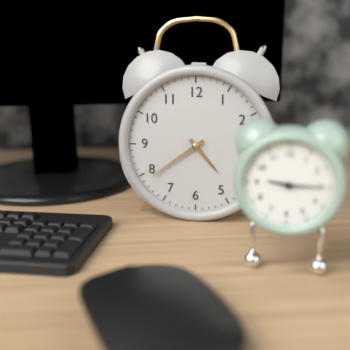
h=4 m=39
